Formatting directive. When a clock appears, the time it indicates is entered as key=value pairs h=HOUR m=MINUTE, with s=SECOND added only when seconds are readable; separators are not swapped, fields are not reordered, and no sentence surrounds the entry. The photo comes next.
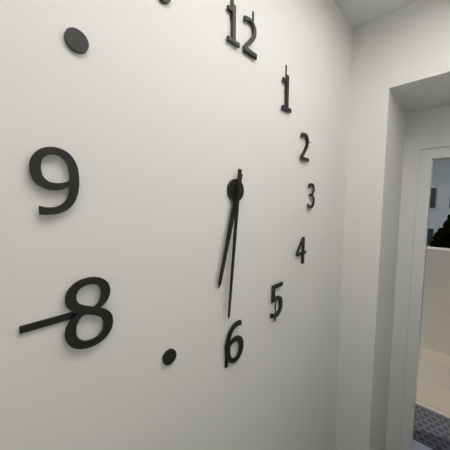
h=6 m=31
